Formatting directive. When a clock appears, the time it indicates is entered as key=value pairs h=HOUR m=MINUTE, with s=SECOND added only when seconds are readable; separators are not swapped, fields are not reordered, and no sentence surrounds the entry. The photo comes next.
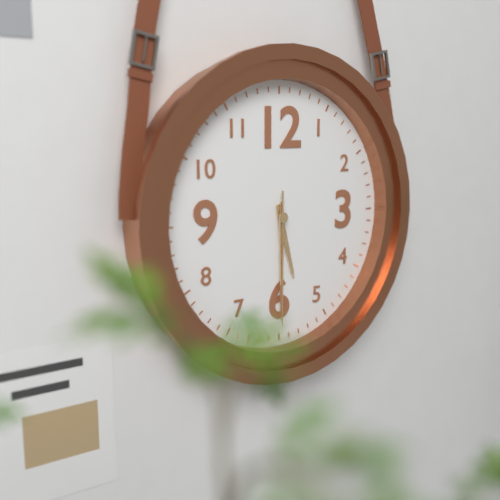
h=5 m=30 s=30
